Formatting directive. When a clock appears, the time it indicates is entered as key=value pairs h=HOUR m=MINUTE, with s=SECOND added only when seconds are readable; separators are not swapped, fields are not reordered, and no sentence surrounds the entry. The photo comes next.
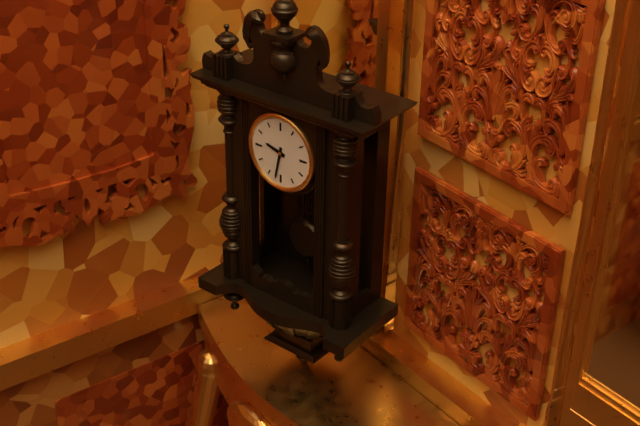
h=9 m=32
